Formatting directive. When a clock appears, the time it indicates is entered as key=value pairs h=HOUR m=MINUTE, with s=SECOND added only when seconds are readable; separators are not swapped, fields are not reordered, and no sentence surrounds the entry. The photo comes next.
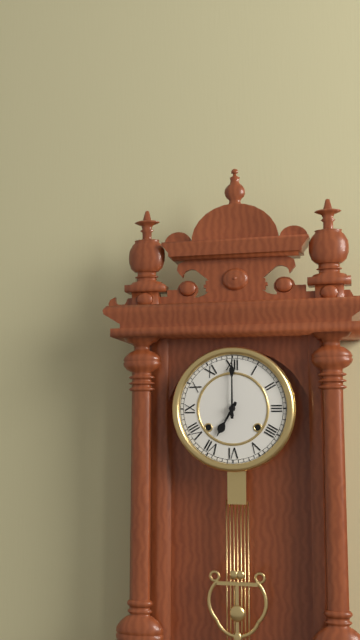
h=7 m=0
